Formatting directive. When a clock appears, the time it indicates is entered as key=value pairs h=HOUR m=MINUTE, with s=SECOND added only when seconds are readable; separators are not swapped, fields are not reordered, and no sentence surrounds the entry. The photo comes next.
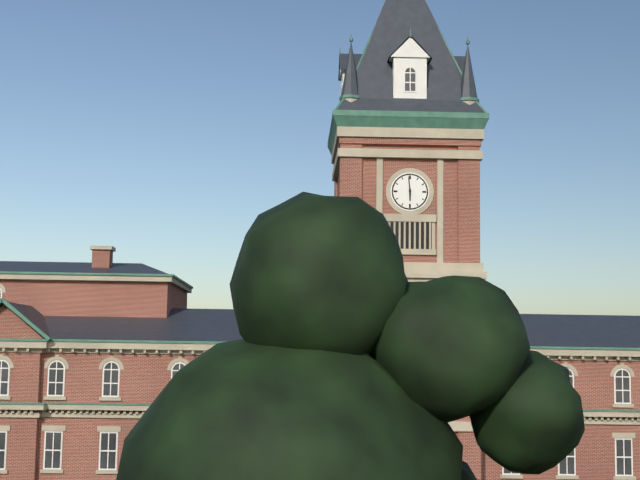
h=5 m=59
